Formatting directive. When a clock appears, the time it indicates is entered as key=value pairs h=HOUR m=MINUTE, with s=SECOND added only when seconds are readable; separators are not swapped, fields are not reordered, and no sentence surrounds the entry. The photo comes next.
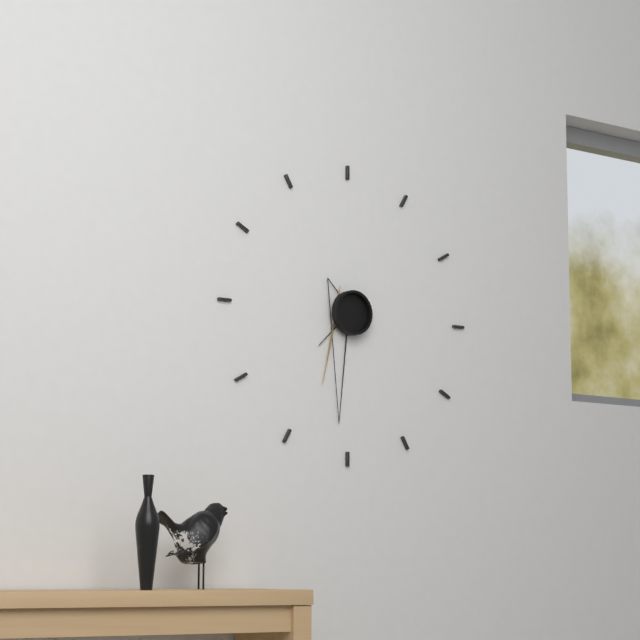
h=7 m=31 s=34
